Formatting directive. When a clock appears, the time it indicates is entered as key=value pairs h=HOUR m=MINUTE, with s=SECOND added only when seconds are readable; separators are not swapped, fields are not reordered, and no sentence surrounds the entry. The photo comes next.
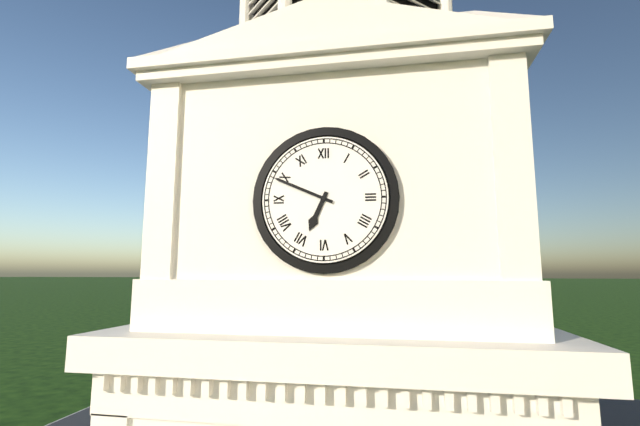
h=6 m=49
